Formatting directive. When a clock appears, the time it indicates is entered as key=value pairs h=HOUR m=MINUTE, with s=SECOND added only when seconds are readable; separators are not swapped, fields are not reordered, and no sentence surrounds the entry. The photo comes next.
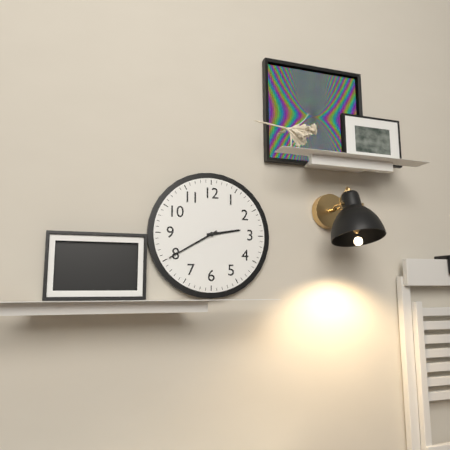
h=2 m=40
